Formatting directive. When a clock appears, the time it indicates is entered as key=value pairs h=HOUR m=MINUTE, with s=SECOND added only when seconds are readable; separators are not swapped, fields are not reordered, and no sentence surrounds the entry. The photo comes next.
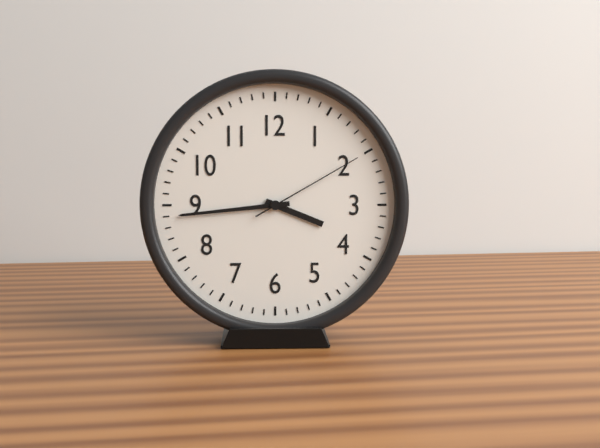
h=3 m=44 s=10
